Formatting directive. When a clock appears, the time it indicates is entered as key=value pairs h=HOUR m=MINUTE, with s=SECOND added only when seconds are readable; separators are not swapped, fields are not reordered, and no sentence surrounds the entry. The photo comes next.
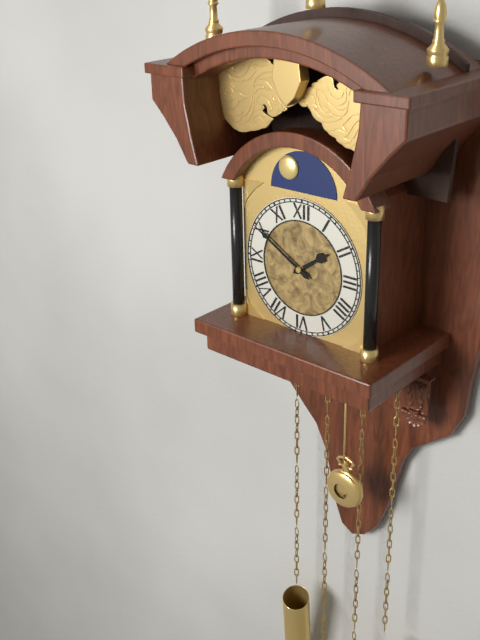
h=1 m=50
